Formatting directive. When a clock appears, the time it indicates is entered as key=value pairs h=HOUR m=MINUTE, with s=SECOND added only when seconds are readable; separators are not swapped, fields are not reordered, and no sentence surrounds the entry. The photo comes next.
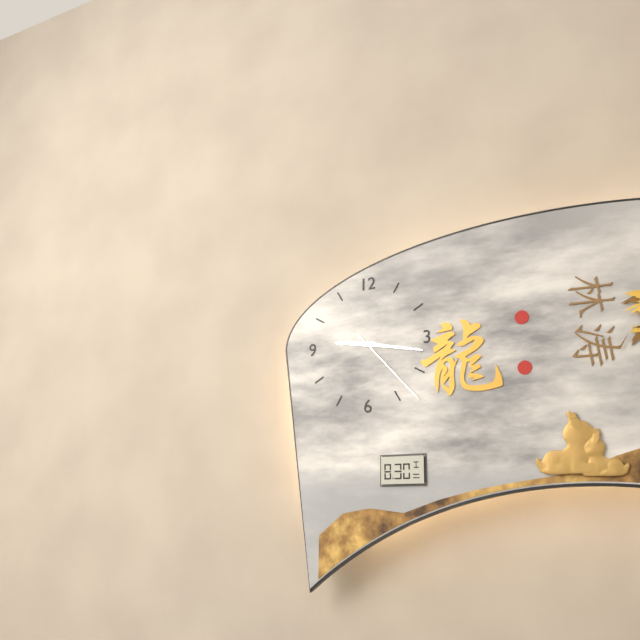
h=9 m=17 s=23
